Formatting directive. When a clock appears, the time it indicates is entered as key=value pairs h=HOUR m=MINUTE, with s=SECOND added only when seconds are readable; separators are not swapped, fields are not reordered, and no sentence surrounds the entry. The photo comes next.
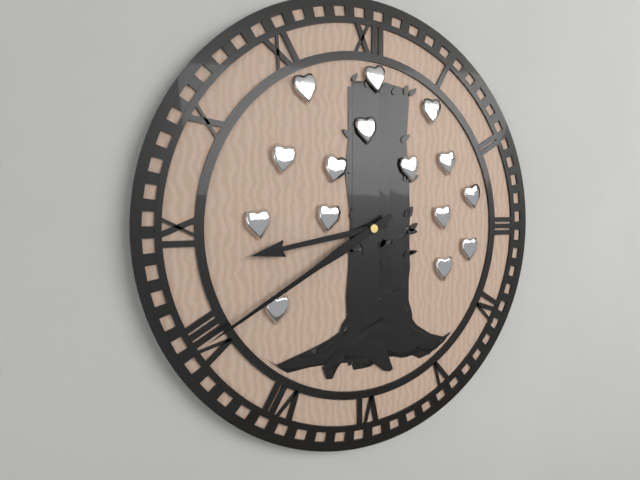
h=8 m=40
